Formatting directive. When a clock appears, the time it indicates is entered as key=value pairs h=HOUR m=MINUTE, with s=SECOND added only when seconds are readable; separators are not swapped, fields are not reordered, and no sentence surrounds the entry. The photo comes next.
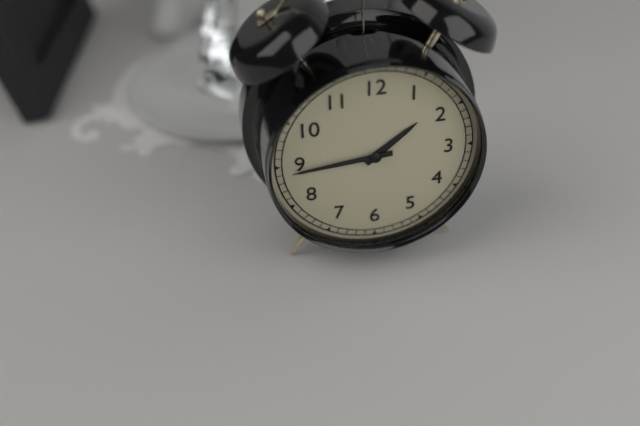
h=1 m=44
